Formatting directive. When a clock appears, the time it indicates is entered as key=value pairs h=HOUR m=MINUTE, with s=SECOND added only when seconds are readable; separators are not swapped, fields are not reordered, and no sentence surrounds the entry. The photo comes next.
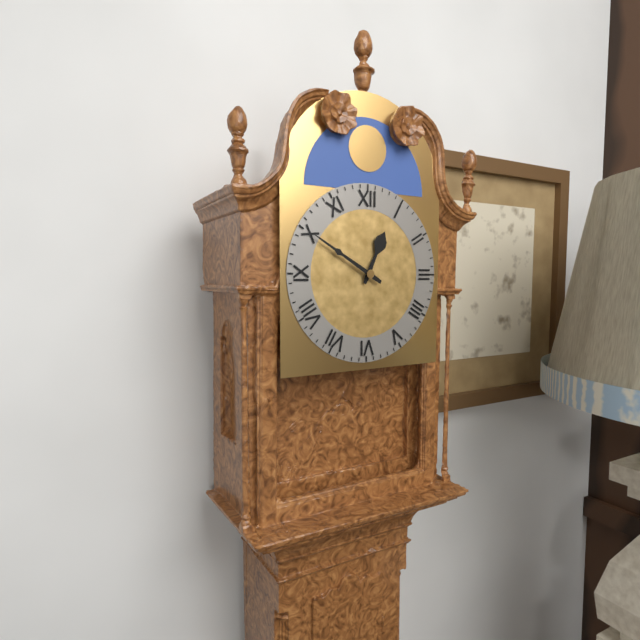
h=12 m=50
